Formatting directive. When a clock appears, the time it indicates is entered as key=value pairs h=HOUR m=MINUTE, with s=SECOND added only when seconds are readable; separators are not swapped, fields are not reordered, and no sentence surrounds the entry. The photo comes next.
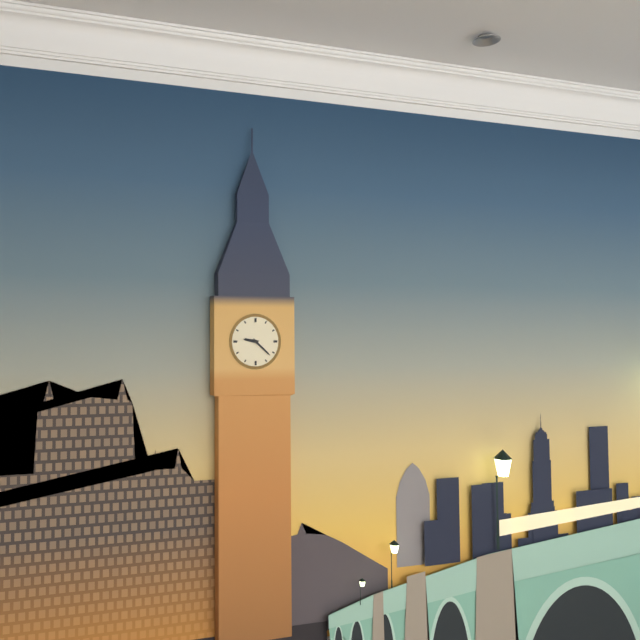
h=9 m=22
